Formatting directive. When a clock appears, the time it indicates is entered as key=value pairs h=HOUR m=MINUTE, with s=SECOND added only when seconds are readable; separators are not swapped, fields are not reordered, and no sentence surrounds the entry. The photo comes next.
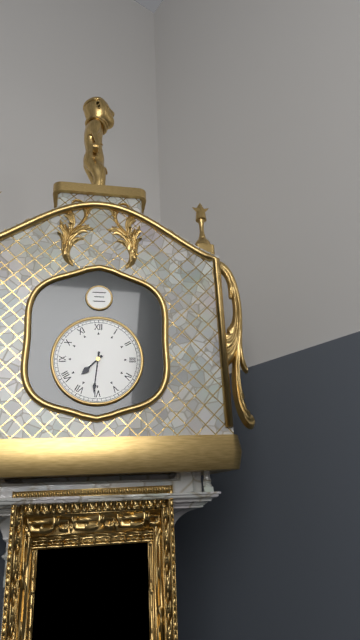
h=7 m=31
